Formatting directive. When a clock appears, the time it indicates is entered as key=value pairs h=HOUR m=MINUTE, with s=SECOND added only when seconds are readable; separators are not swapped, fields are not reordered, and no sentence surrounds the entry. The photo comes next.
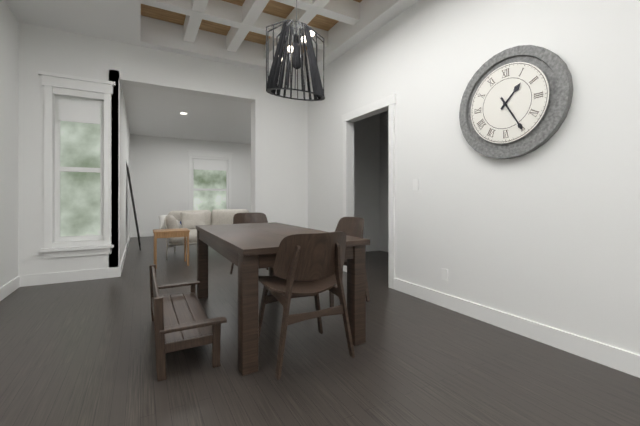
h=1 m=25
